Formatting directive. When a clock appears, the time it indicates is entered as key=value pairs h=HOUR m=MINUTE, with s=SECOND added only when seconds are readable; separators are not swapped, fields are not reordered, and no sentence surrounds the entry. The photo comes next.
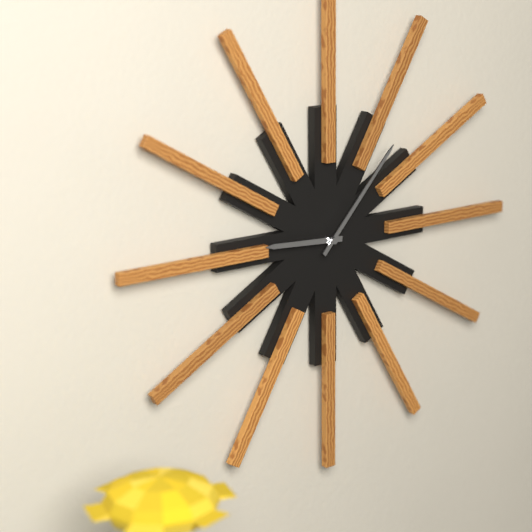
h=9 m=7
